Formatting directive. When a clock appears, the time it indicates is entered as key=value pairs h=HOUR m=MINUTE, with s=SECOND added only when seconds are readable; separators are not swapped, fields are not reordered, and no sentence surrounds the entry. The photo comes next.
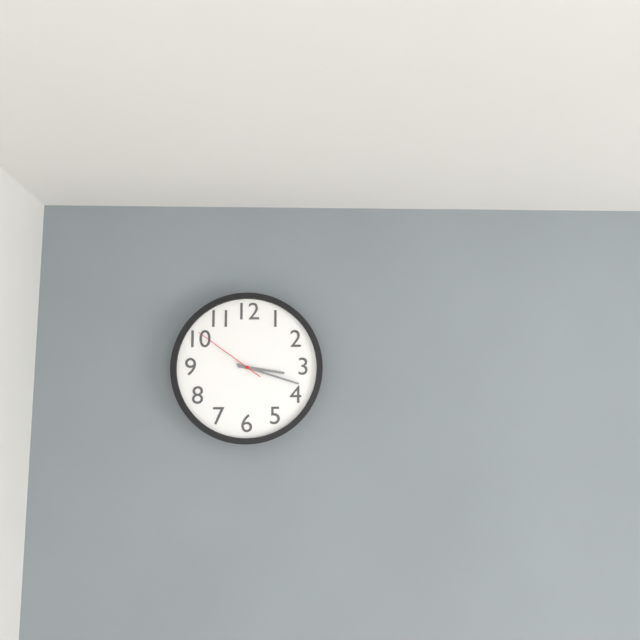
h=3 m=18 s=51
